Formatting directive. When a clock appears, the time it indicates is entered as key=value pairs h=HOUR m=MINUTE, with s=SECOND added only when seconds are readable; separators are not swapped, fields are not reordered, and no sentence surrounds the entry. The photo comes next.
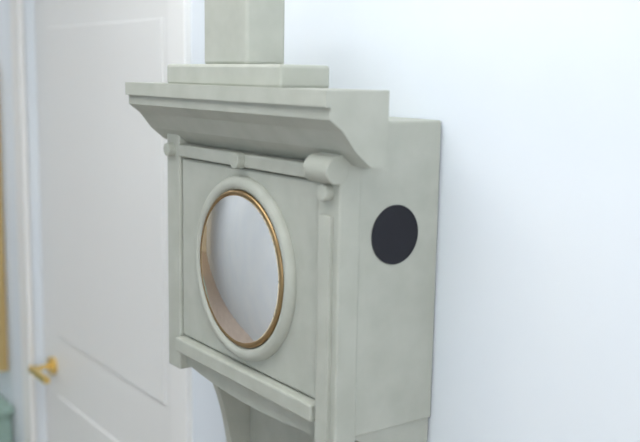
h=10 m=13
